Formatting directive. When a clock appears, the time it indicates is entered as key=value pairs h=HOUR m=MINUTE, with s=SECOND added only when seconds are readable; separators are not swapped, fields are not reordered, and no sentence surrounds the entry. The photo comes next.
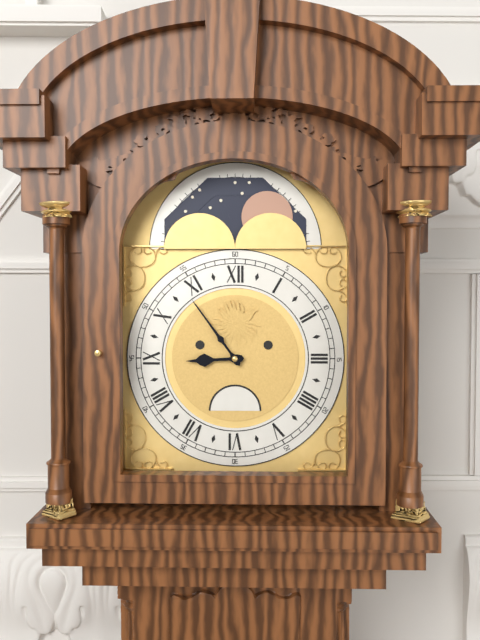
h=8 m=54
